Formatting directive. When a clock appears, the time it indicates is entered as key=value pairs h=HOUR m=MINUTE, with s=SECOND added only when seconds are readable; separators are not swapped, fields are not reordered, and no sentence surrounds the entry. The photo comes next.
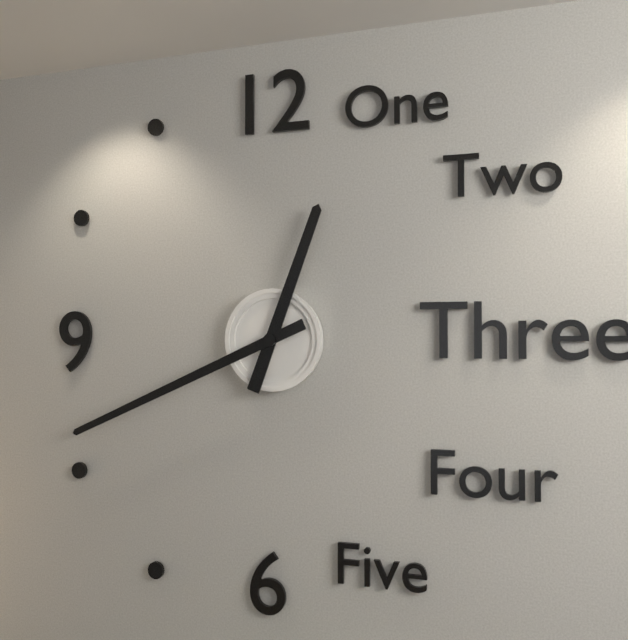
h=12 m=41
